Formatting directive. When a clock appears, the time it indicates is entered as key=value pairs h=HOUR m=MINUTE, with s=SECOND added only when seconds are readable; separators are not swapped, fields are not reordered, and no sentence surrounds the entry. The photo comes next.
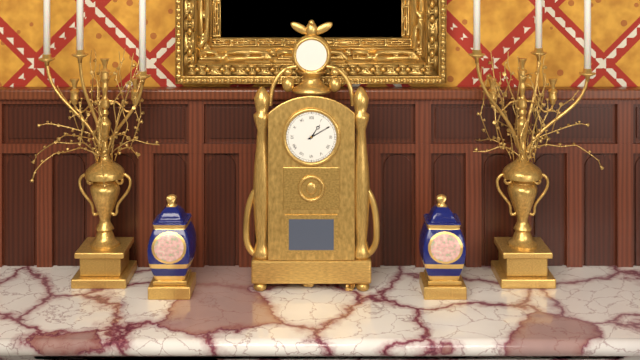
h=1 m=10
